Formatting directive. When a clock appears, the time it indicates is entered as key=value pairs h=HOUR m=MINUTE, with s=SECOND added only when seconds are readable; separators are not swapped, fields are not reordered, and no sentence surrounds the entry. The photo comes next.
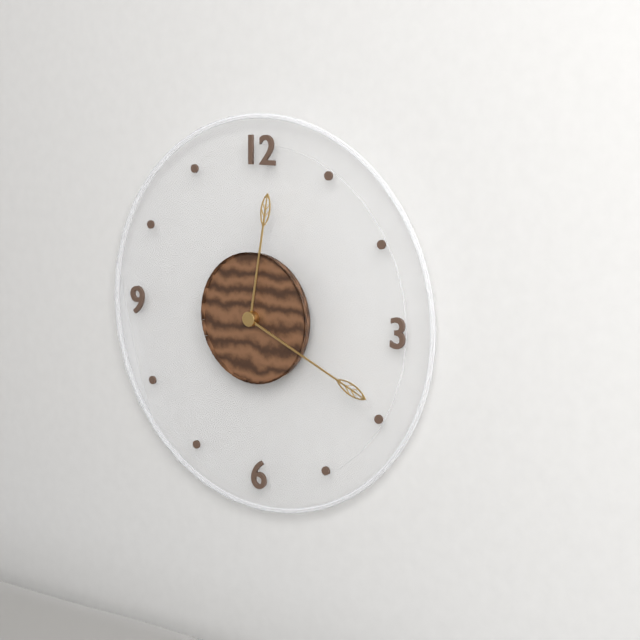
h=12 m=19
